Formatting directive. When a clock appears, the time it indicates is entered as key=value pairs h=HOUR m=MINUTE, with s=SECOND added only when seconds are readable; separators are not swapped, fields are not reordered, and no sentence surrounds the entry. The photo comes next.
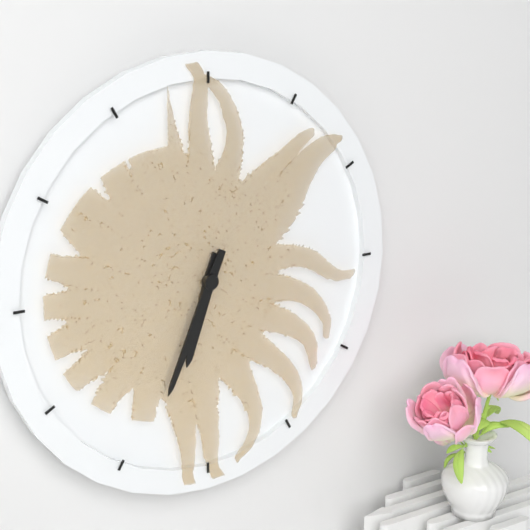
h=6 m=34
